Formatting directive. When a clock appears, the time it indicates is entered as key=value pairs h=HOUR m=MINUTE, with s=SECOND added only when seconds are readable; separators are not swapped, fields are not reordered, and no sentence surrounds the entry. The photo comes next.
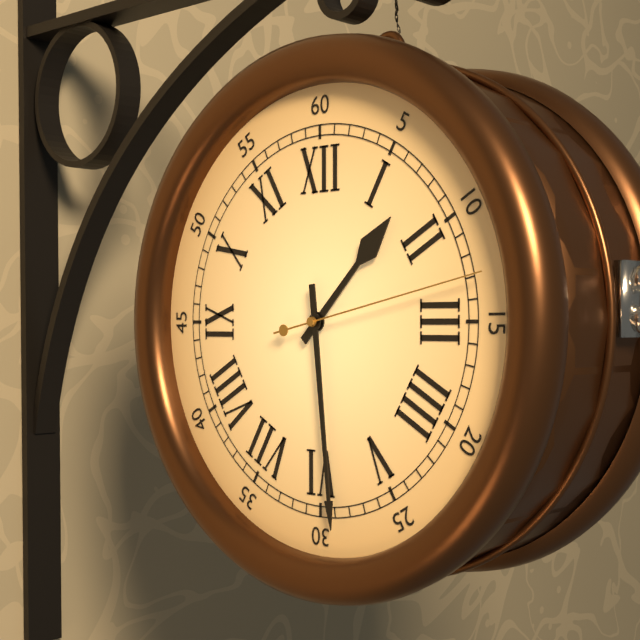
h=1 m=29 s=13
